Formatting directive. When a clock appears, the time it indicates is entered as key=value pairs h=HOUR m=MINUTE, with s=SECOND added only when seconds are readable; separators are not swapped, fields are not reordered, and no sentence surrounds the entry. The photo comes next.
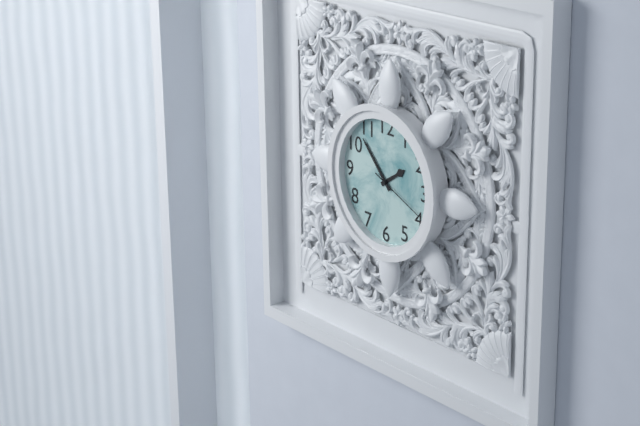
h=1 m=53 s=19
